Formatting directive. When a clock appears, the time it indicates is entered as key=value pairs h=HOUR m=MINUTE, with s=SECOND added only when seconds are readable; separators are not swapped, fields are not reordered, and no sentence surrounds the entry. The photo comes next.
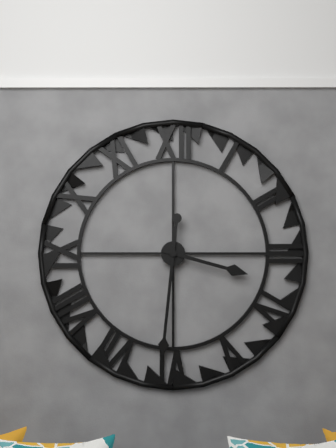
h=3 m=31
